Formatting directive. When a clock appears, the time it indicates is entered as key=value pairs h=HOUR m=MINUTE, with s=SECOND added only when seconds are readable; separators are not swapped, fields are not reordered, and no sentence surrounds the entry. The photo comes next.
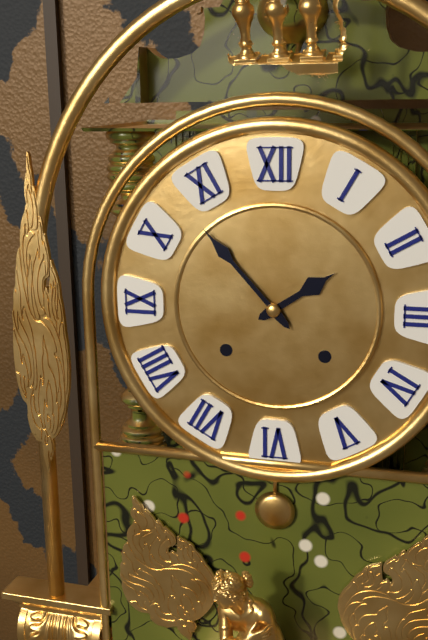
h=1 m=53
